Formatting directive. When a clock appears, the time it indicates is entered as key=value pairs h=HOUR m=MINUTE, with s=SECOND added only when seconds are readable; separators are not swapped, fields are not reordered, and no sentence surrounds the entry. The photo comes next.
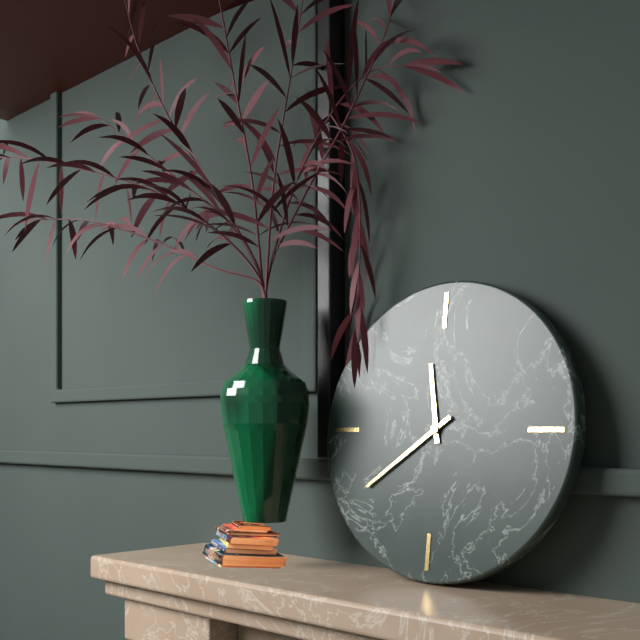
h=11 m=39
